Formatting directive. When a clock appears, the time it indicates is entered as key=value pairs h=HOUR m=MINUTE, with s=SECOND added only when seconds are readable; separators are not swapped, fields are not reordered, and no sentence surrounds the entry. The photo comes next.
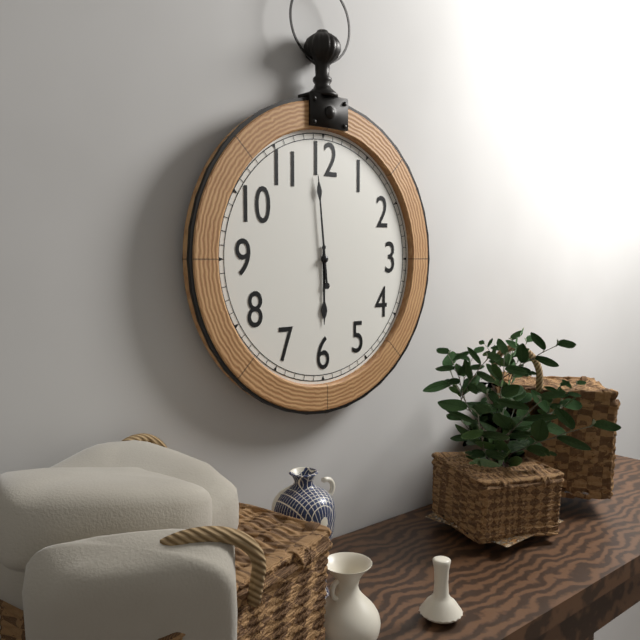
h=5 m=59
